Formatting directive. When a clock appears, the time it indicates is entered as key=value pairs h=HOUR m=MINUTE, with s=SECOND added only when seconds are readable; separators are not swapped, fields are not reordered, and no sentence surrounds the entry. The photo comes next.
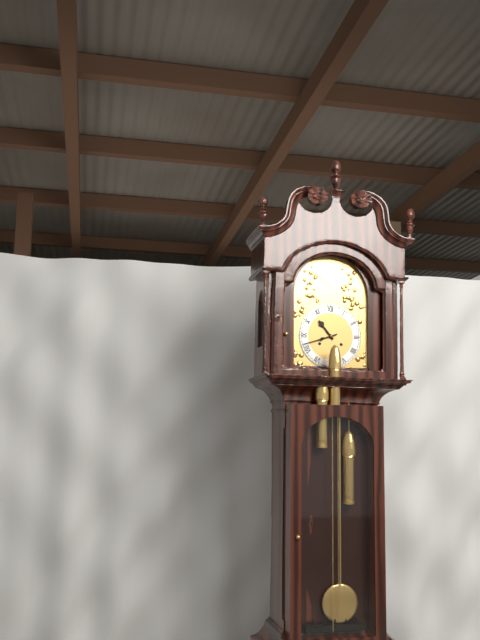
h=10 m=42
